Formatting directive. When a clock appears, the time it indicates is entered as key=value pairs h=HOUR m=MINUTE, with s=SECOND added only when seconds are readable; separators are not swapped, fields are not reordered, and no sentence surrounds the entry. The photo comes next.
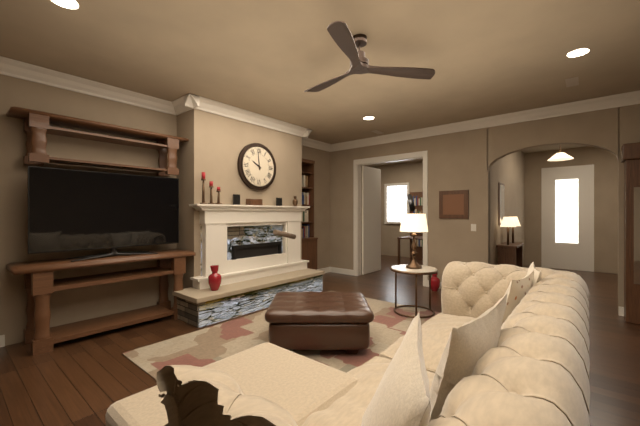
h=9 m=59
